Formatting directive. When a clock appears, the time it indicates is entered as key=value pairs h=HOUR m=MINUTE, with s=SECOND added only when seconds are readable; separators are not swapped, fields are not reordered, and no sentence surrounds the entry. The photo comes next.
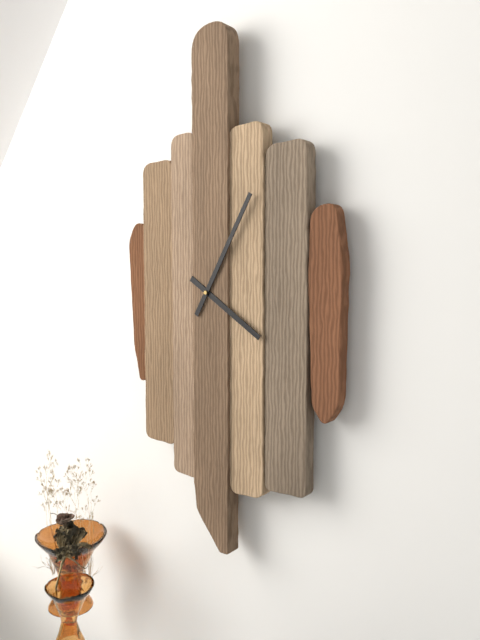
h=4 m=5
